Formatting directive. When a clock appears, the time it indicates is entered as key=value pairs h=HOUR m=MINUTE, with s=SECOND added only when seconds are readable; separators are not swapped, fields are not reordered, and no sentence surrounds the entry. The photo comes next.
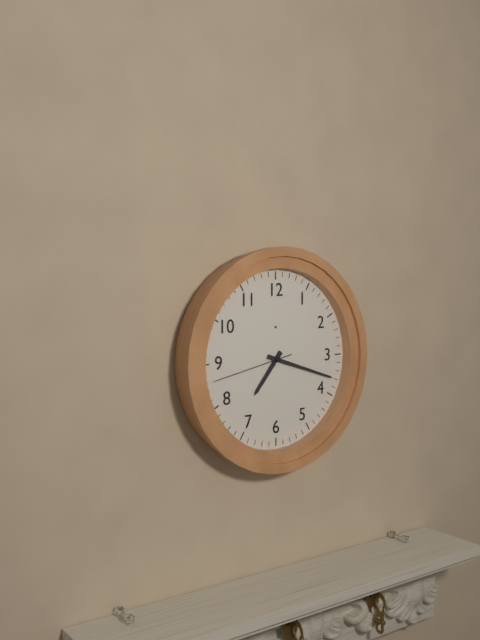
h=7 m=18 s=43
